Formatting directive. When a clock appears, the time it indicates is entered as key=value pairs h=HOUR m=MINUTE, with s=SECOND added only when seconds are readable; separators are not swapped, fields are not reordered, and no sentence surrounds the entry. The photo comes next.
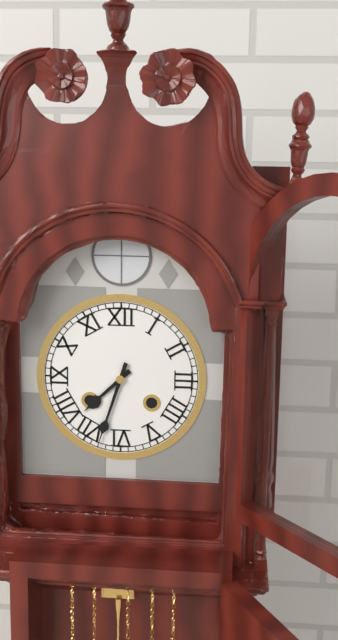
h=7 m=33
